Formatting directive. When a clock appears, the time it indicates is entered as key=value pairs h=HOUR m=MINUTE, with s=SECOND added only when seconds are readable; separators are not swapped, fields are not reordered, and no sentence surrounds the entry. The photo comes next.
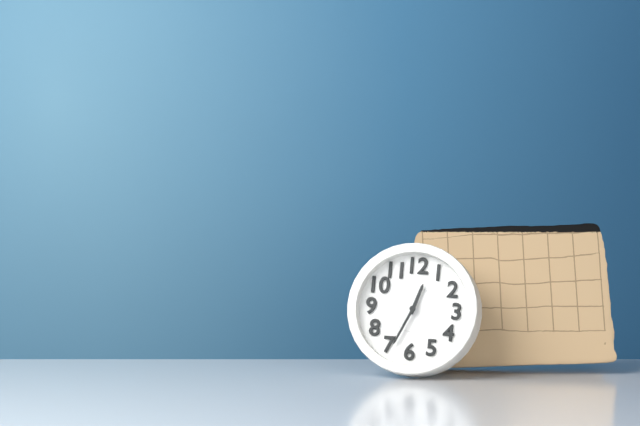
h=12 m=34
